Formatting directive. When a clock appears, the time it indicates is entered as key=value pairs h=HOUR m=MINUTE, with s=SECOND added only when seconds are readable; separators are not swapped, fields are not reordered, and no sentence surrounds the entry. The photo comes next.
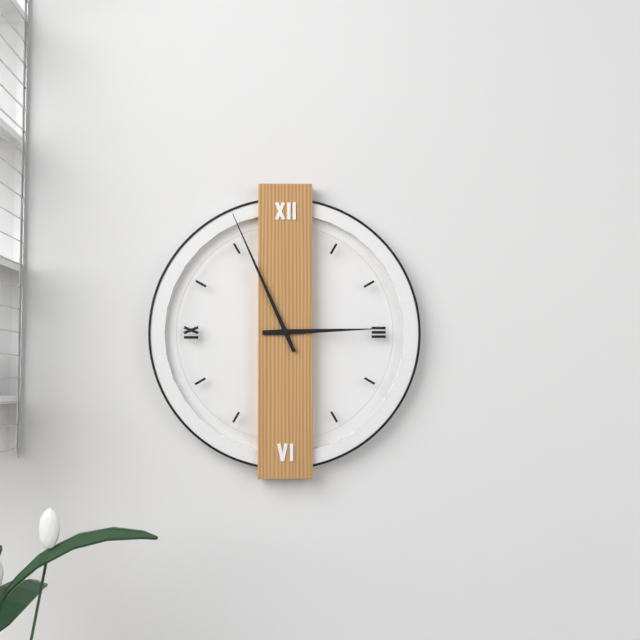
h=2 m=56
